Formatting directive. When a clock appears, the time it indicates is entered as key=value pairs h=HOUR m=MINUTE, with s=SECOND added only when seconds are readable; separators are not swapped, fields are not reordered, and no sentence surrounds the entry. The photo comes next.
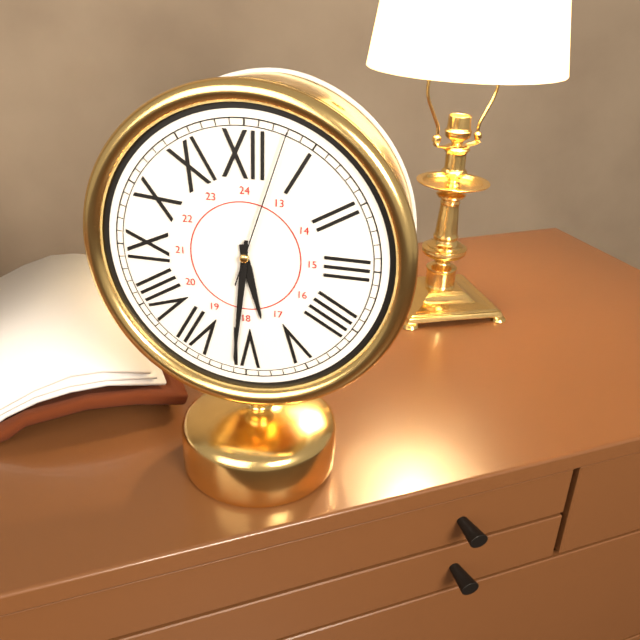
h=5 m=31 s=3
